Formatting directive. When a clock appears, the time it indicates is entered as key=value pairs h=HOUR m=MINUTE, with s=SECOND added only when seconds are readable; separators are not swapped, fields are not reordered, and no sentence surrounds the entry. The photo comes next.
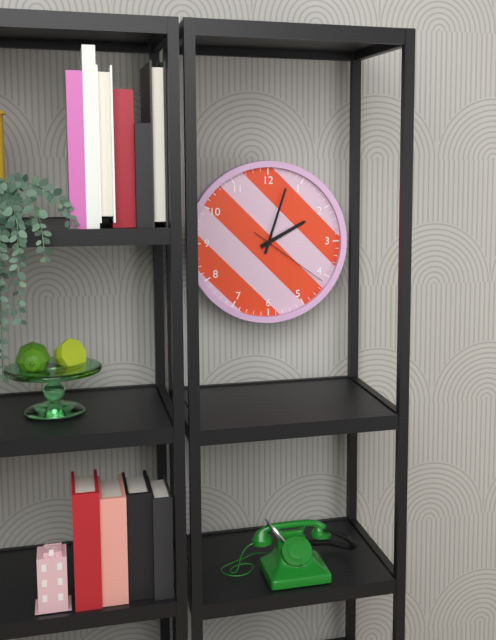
h=2 m=3 s=21
